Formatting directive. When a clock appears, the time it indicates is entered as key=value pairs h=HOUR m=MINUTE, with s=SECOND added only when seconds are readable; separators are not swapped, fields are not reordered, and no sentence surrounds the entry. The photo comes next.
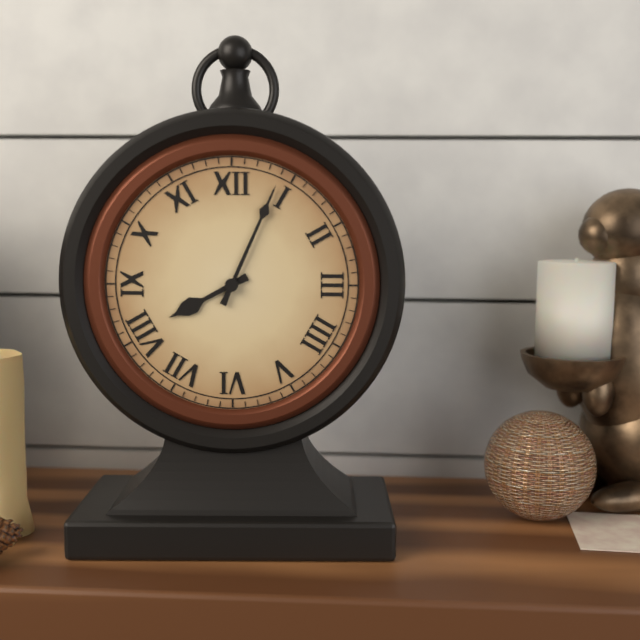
h=8 m=4
